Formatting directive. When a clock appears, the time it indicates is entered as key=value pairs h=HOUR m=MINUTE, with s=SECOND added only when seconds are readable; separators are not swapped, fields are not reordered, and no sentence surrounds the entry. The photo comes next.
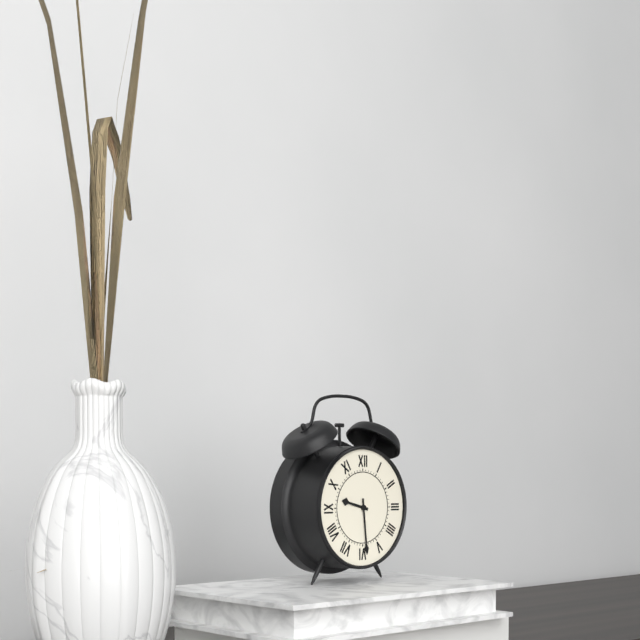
h=9 m=29
